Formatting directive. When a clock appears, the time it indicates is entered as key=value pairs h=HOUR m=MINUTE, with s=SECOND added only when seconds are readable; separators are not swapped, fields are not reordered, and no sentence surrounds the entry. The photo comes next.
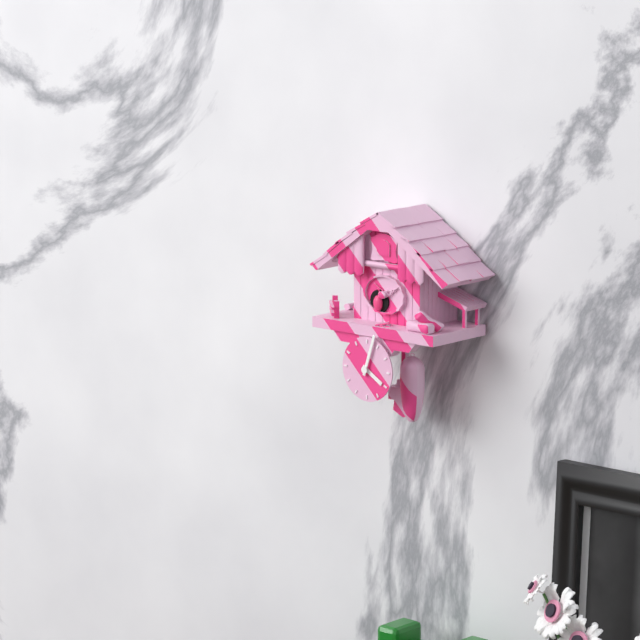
h=4 m=3
